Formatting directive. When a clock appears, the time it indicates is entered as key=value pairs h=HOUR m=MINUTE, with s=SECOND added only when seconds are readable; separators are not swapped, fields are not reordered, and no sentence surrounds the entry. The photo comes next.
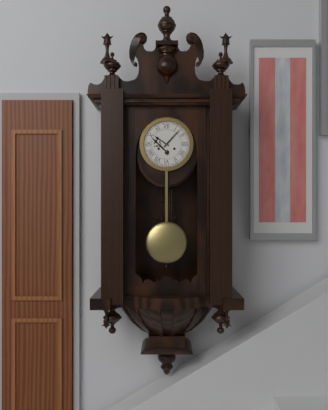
h=10 m=7
